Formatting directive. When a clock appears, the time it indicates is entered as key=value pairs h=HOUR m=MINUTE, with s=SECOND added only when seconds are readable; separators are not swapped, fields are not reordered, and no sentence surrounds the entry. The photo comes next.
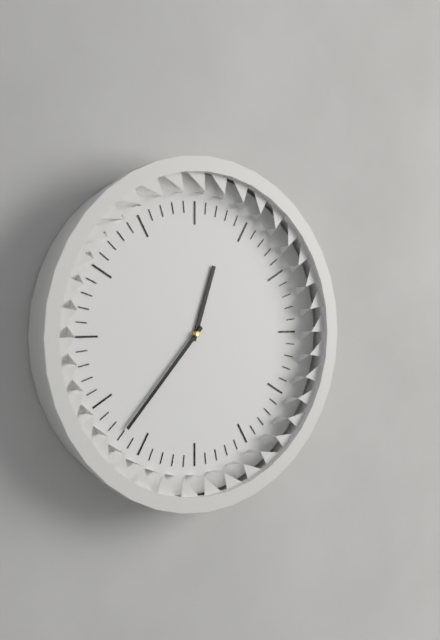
h=12 m=37
